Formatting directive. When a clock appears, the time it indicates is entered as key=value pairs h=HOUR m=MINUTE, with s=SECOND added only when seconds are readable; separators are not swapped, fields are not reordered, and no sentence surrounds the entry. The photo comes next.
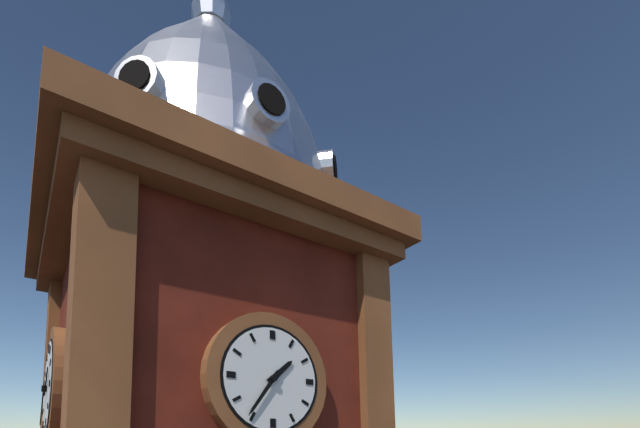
h=1 m=36
